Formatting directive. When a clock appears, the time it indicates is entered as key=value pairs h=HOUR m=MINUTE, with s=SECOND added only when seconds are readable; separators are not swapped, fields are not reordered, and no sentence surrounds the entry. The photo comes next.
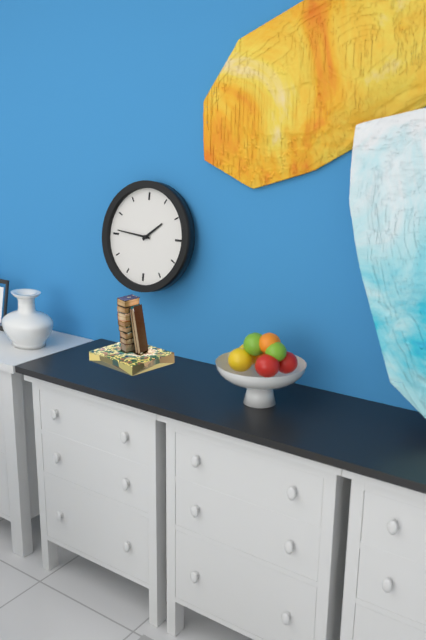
h=1 m=46
